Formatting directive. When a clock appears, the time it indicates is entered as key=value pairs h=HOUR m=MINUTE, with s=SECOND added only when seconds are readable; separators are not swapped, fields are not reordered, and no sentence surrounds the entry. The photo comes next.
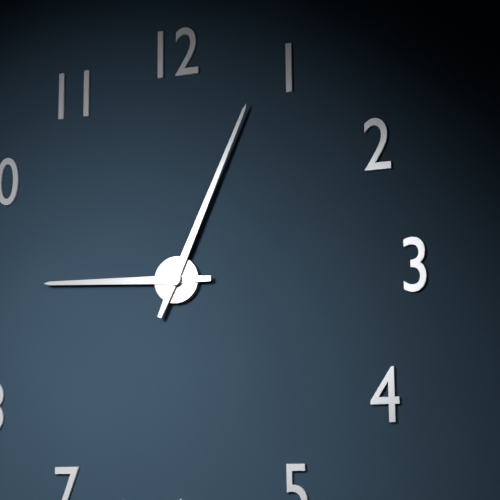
h=9 m=4
